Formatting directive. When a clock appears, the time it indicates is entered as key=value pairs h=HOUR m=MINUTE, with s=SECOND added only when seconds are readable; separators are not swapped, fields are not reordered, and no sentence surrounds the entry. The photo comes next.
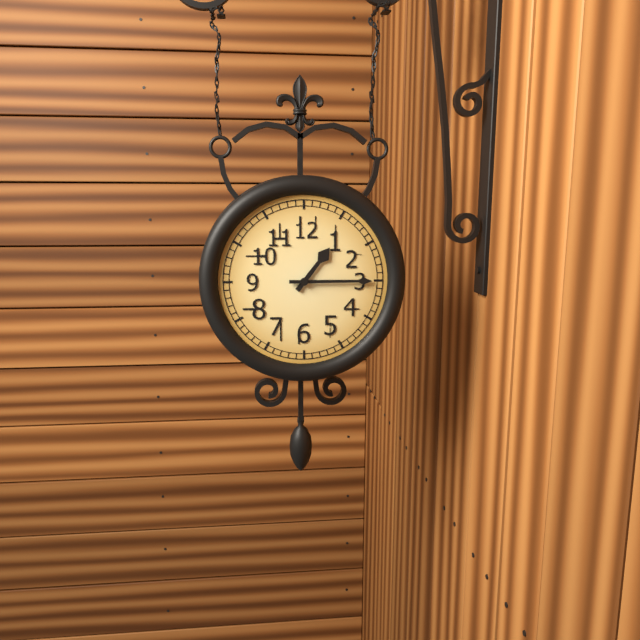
h=1 m=15
